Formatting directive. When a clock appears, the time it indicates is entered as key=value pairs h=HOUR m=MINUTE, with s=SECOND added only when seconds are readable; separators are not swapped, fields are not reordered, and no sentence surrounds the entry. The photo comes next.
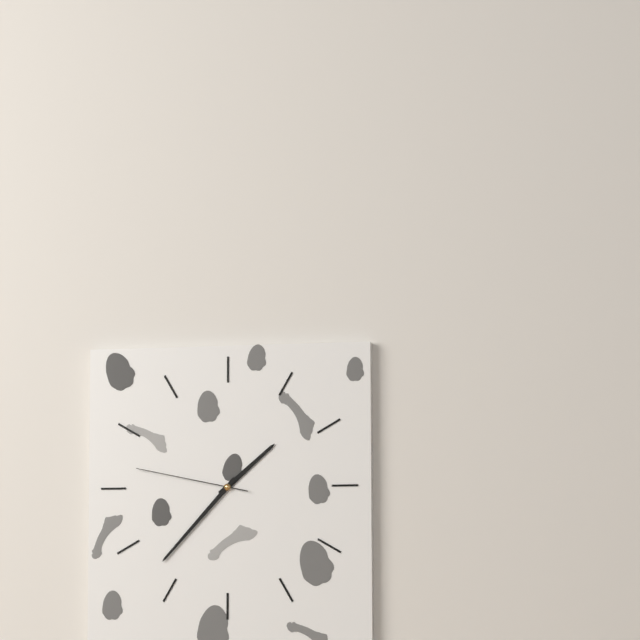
h=1 m=37 s=47
